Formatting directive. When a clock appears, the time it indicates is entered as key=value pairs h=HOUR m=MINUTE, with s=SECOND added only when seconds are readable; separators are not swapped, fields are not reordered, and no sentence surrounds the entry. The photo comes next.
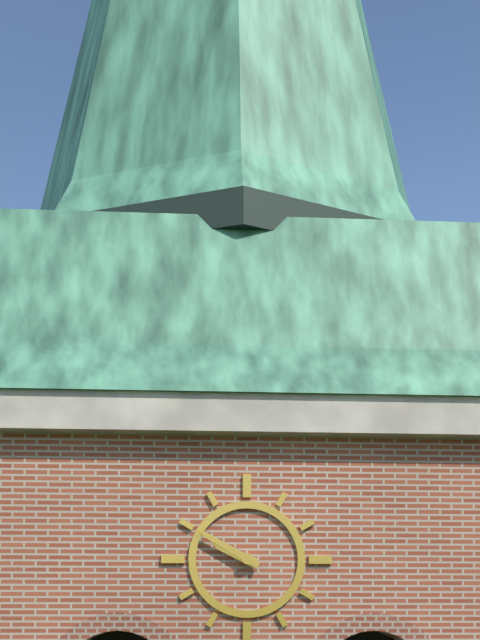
h=9 m=50
